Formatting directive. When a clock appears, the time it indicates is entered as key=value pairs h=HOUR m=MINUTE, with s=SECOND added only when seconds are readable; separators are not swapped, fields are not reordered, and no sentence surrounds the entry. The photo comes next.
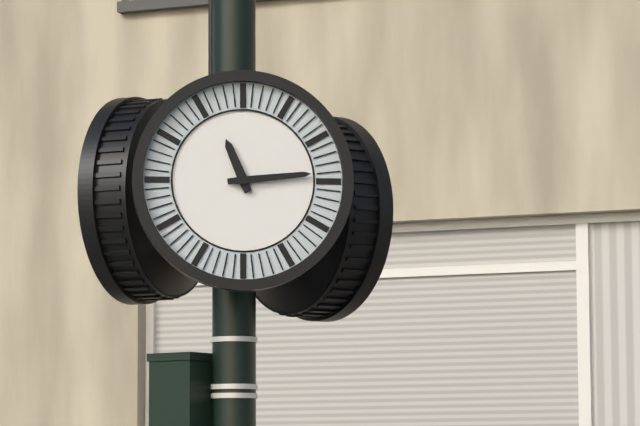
h=11 m=14
